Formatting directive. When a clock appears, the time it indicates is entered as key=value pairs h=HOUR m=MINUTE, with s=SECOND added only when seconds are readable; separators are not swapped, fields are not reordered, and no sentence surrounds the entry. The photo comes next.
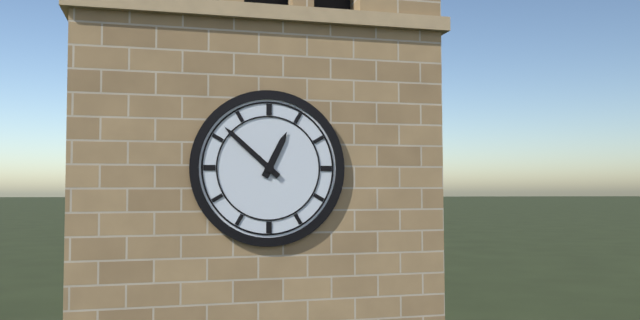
h=12 m=52
